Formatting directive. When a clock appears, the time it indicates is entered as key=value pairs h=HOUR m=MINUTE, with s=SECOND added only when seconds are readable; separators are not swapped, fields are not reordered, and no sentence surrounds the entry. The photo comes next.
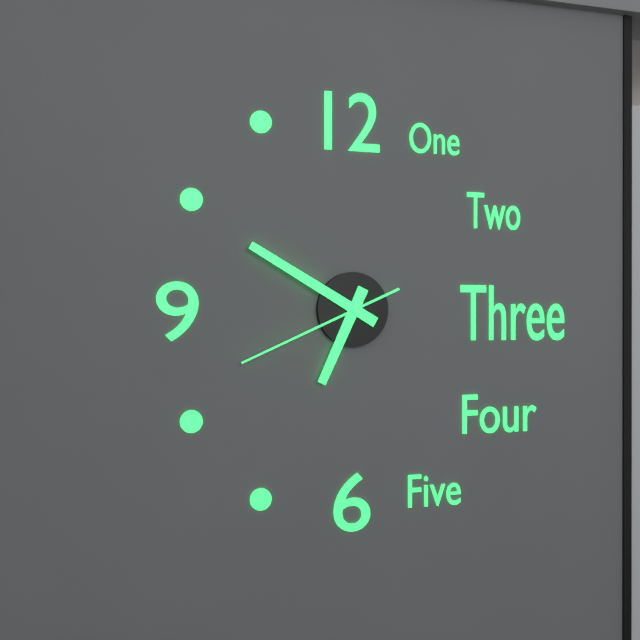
h=6 m=50 s=41
